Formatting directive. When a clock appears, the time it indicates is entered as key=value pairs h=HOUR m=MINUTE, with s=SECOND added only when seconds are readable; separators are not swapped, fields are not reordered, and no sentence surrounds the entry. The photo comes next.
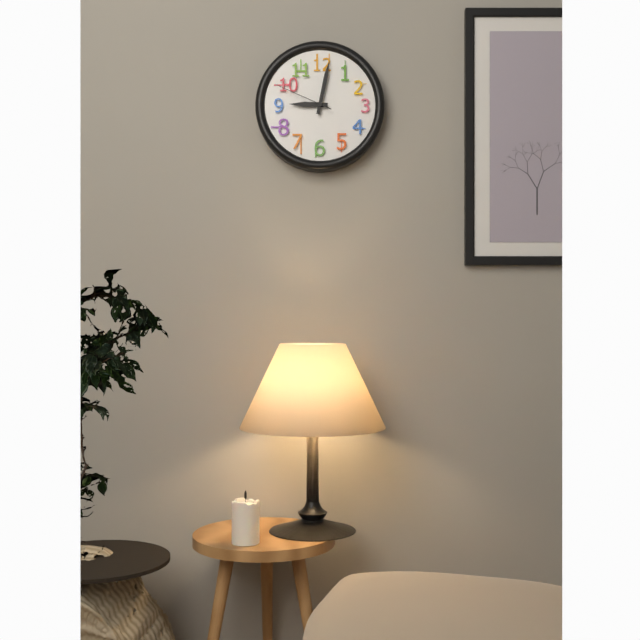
h=9 m=2 s=49
